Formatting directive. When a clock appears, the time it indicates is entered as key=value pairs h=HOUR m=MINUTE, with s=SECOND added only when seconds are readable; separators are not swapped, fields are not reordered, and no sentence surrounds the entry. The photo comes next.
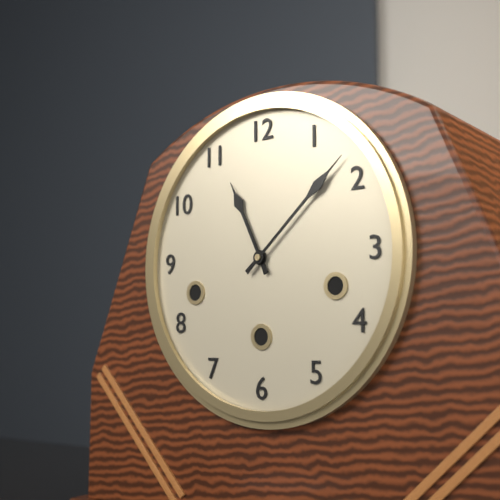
h=11 m=8
